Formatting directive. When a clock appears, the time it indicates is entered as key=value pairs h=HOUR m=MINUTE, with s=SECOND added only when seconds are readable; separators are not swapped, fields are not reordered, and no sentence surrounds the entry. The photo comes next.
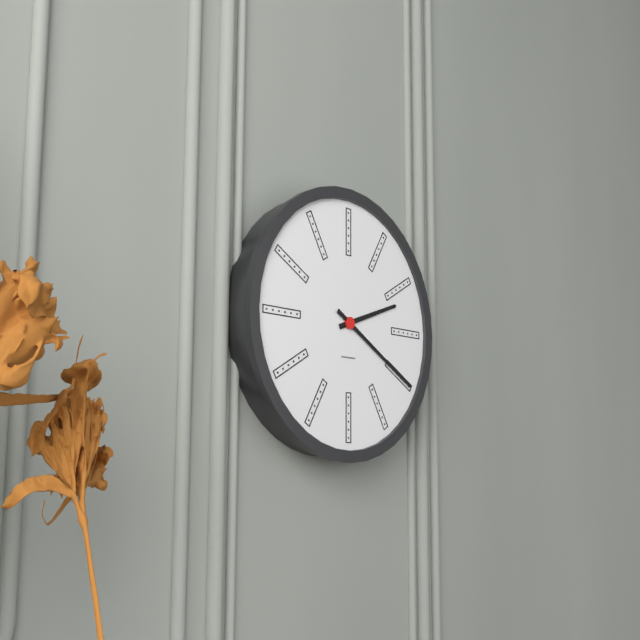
h=2 m=20
